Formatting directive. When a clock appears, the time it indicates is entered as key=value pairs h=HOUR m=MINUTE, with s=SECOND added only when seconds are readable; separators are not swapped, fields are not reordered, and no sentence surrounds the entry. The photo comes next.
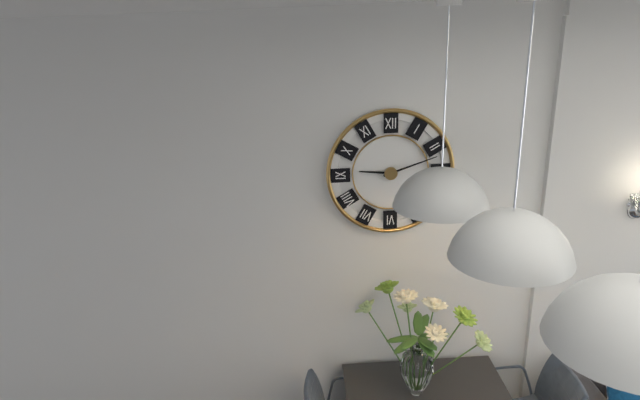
h=9 m=12
